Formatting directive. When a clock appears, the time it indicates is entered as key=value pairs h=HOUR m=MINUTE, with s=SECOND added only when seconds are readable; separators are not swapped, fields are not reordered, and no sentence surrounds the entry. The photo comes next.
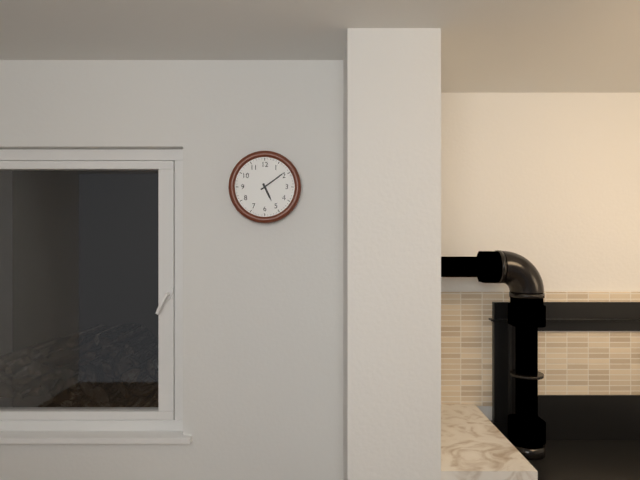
h=5 m=9
